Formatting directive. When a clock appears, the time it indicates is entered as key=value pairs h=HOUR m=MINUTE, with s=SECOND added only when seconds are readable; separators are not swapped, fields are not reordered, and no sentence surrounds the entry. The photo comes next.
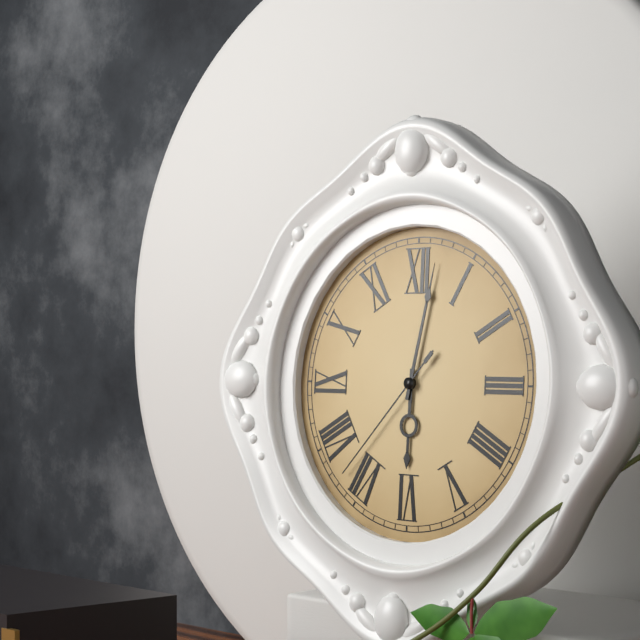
h=6 m=2 s=37
